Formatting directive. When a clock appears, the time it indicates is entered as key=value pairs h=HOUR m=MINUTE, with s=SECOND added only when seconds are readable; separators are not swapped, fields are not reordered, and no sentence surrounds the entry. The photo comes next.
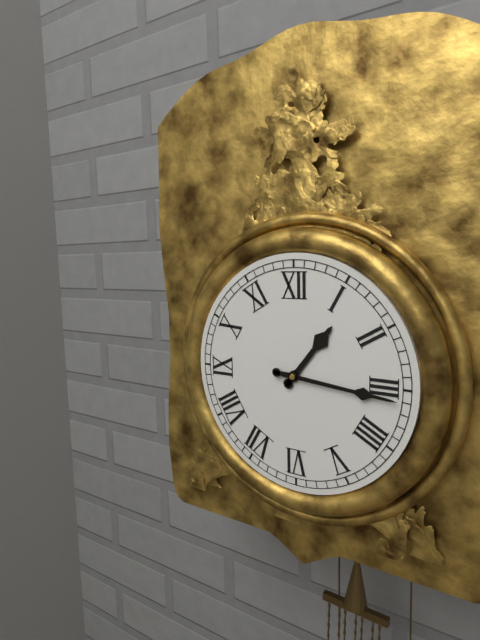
h=1 m=16
